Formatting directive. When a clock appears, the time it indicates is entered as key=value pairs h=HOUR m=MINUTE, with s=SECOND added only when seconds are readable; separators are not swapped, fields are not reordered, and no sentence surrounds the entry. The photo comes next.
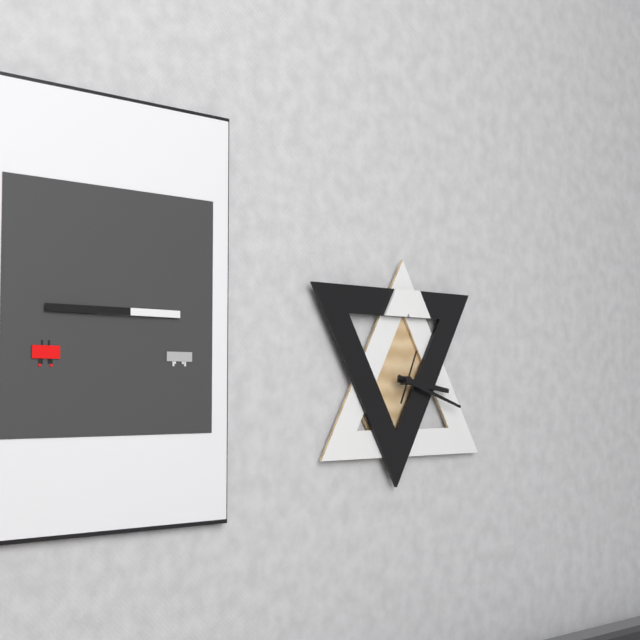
h=3 m=18
